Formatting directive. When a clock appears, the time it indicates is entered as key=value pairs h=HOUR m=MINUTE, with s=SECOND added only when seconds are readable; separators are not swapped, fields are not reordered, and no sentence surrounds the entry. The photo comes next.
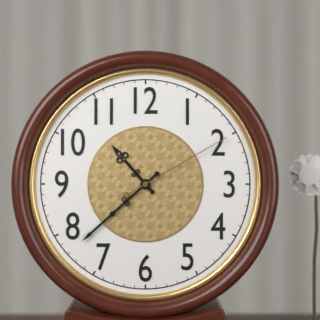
h=10 m=38 s=10
